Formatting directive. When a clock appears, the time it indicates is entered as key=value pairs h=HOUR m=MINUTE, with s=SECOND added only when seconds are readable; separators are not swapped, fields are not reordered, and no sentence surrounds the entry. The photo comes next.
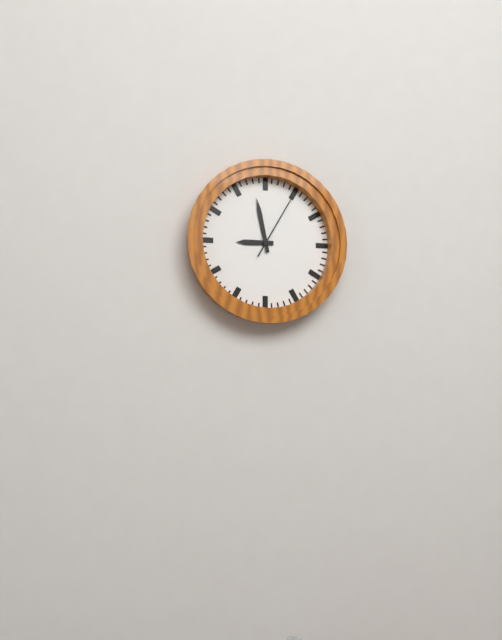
h=8 m=58 s=5
